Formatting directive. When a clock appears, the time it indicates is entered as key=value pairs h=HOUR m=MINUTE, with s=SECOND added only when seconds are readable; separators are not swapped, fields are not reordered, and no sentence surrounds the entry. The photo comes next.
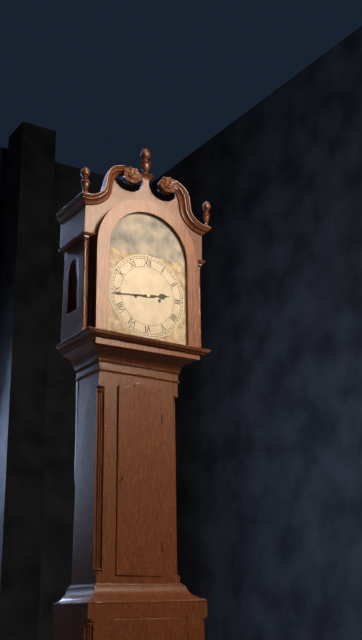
h=2 m=44
